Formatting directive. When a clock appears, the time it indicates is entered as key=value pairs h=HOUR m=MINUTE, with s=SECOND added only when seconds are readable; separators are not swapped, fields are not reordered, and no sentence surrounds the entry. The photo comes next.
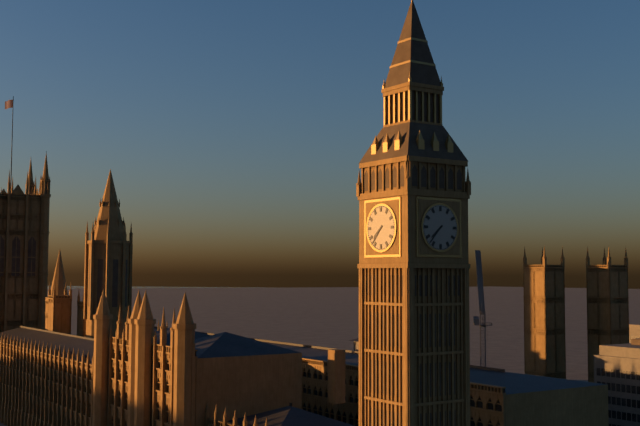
h=7 m=37
